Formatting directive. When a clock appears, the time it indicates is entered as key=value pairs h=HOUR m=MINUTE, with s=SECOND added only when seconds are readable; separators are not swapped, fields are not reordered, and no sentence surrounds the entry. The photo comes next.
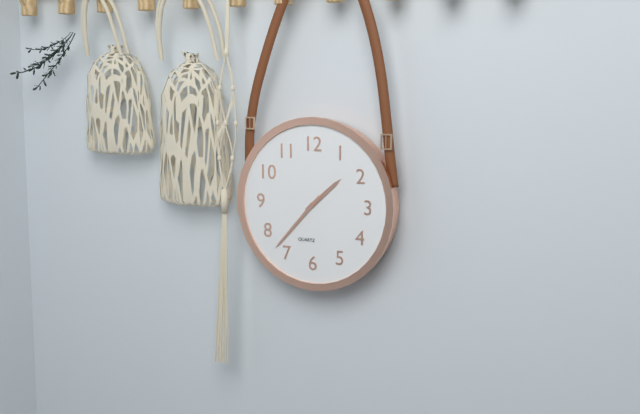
h=1 m=37
